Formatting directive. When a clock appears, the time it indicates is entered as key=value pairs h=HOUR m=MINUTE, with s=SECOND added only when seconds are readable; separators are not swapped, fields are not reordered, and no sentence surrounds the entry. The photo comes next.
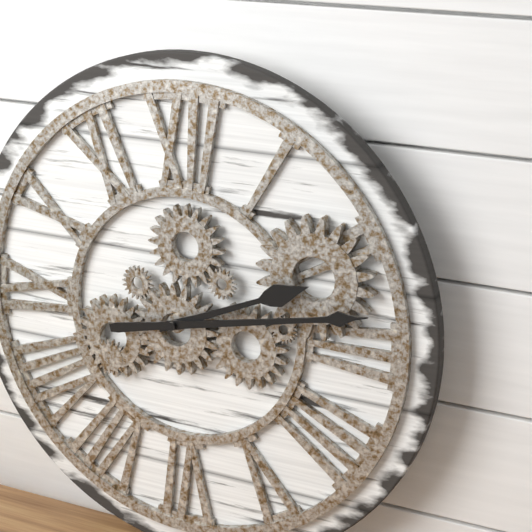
h=2 m=13
